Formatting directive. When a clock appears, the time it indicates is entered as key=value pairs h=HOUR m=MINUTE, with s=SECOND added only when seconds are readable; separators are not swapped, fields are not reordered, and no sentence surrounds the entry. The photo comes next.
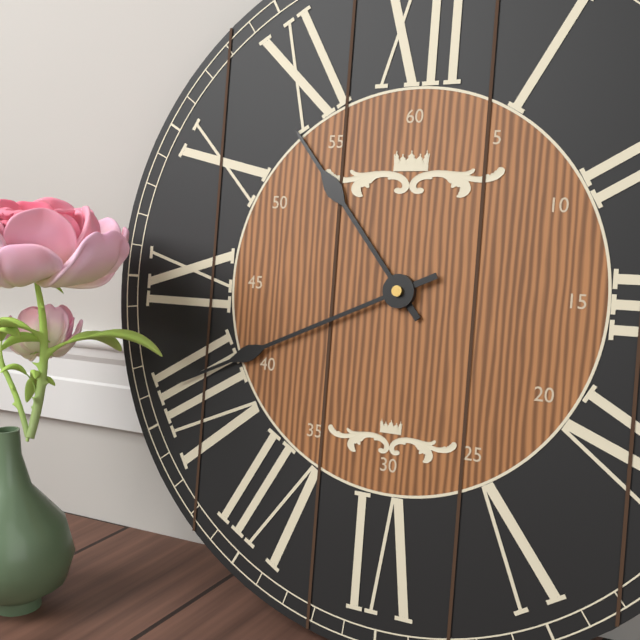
h=10 m=41
